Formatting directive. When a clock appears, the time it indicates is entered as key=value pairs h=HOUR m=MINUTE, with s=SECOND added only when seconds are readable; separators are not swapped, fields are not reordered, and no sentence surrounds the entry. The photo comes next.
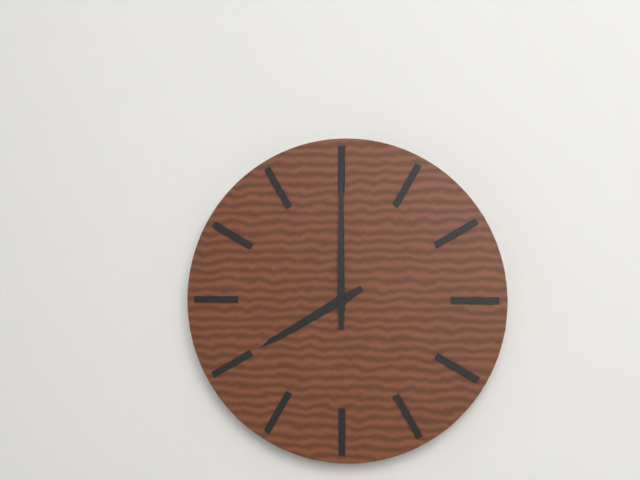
h=8 m=0
